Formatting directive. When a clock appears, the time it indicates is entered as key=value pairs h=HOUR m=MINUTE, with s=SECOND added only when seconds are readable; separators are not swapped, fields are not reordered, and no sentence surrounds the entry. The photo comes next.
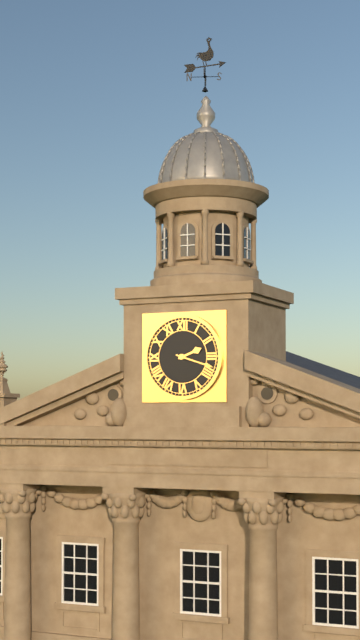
h=2 m=18
